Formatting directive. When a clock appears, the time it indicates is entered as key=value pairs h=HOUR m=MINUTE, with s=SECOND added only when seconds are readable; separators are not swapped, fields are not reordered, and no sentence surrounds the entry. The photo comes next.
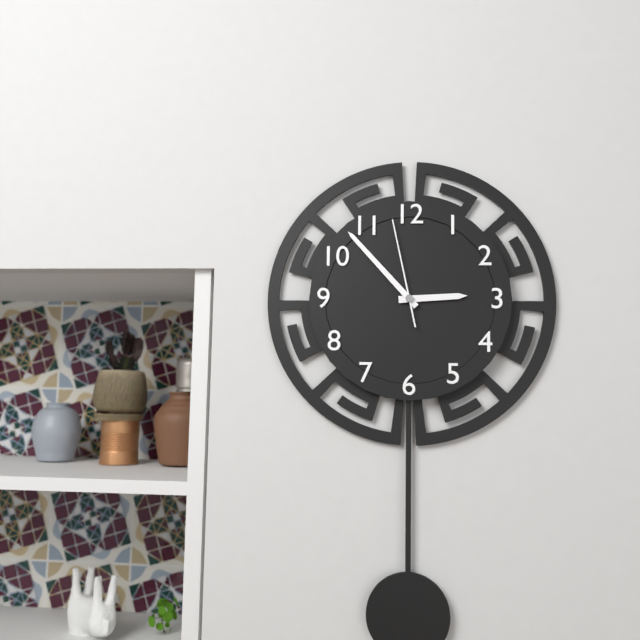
h=2 m=53 s=58
